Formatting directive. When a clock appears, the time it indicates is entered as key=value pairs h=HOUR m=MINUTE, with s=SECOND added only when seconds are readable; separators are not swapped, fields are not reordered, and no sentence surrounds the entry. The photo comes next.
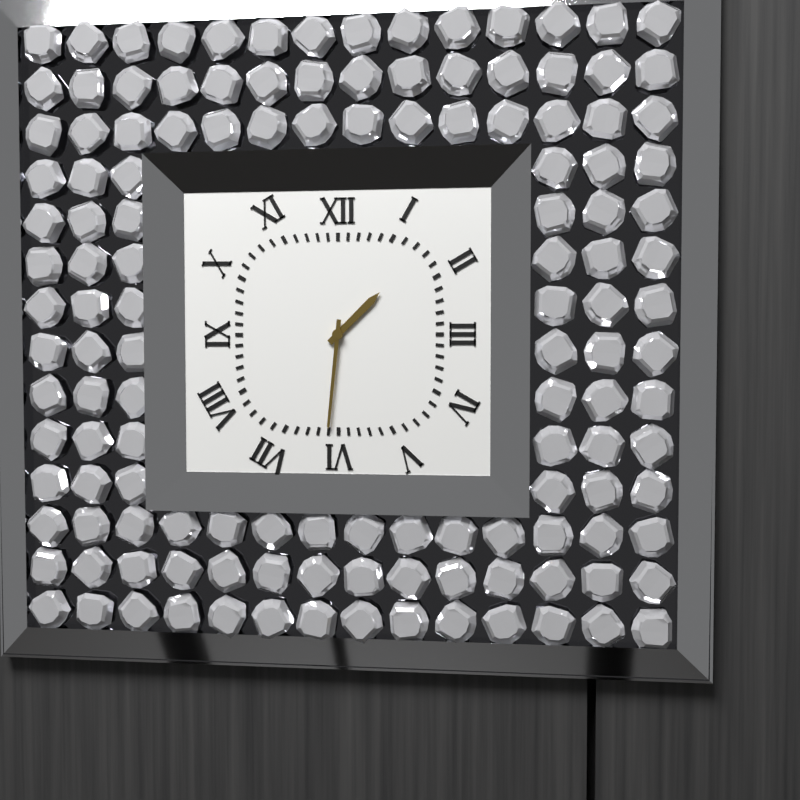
h=1 m=31
